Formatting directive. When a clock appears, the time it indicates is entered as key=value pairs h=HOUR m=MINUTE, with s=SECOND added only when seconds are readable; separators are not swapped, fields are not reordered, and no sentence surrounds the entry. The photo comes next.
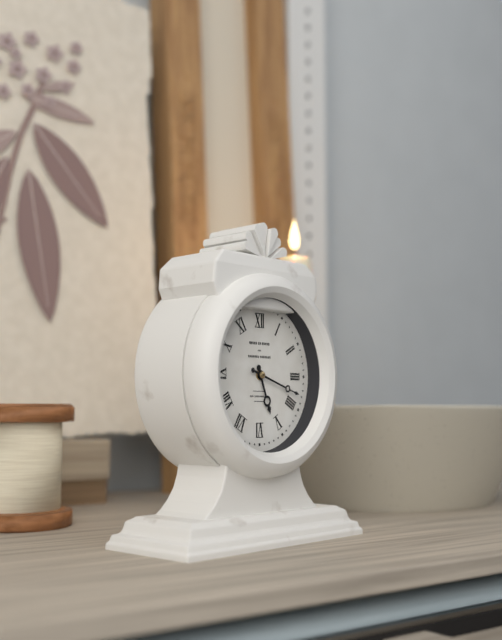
h=5 m=18
